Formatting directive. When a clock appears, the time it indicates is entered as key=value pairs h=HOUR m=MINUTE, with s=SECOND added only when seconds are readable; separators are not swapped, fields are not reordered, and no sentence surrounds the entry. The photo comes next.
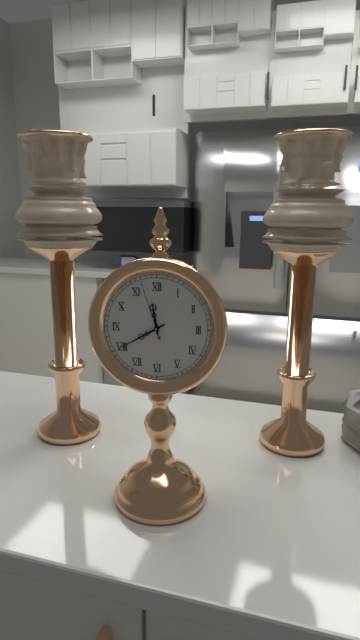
h=11 m=40 s=57
